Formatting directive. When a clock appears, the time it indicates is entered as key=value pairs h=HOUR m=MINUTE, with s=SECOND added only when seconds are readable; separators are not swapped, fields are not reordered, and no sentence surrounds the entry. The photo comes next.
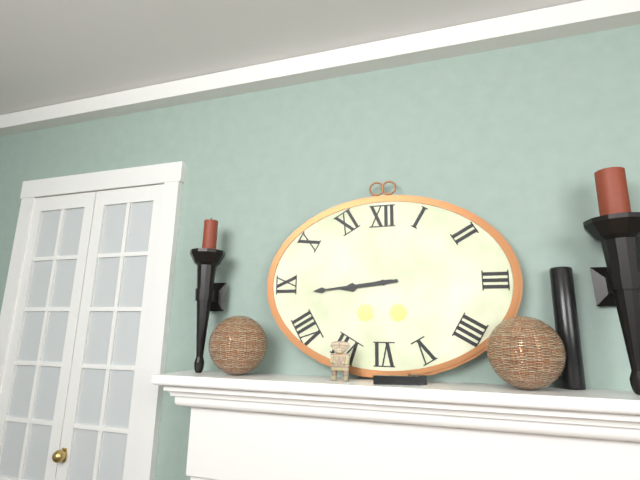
h=8 m=44
